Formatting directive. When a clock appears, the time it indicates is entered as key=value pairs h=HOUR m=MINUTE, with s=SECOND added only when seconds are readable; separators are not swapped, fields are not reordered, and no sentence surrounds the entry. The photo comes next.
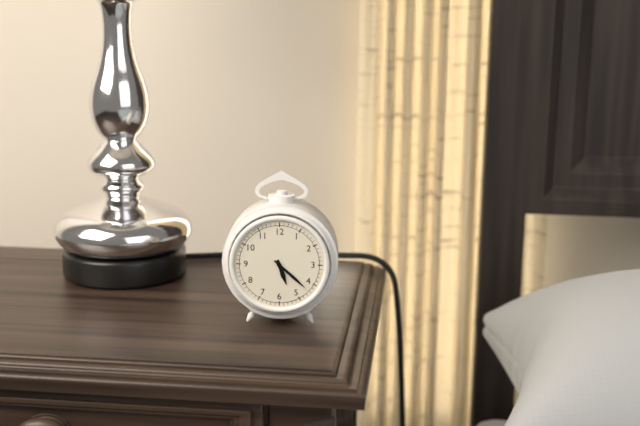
h=5 m=22
